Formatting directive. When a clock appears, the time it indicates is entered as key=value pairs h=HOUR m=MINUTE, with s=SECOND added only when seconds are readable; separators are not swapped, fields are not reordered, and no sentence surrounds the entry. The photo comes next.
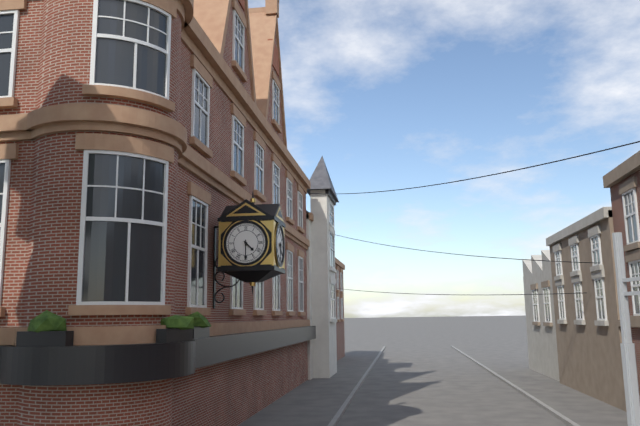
h=4 m=30
